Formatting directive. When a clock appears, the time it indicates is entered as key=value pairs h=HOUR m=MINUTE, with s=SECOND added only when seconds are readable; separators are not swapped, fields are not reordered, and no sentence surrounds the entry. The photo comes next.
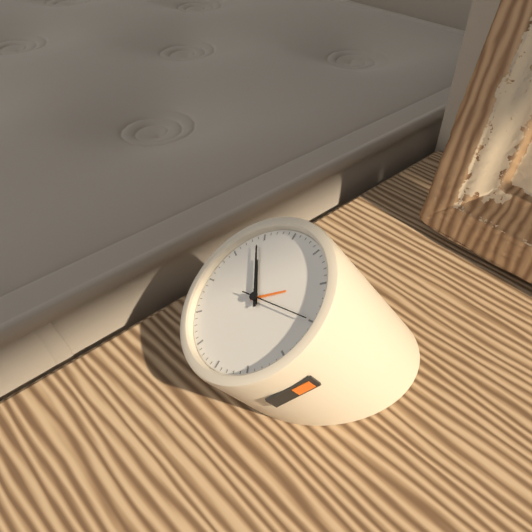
h=9 m=49 s=10
